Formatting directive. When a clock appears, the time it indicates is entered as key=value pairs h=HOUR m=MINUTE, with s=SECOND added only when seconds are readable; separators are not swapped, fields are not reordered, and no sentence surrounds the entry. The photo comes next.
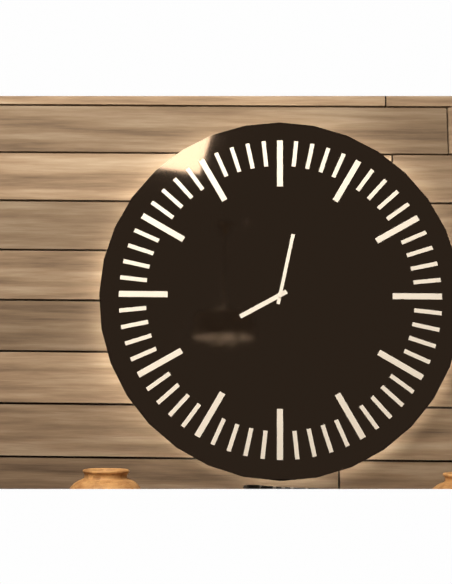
h=8 m=2
